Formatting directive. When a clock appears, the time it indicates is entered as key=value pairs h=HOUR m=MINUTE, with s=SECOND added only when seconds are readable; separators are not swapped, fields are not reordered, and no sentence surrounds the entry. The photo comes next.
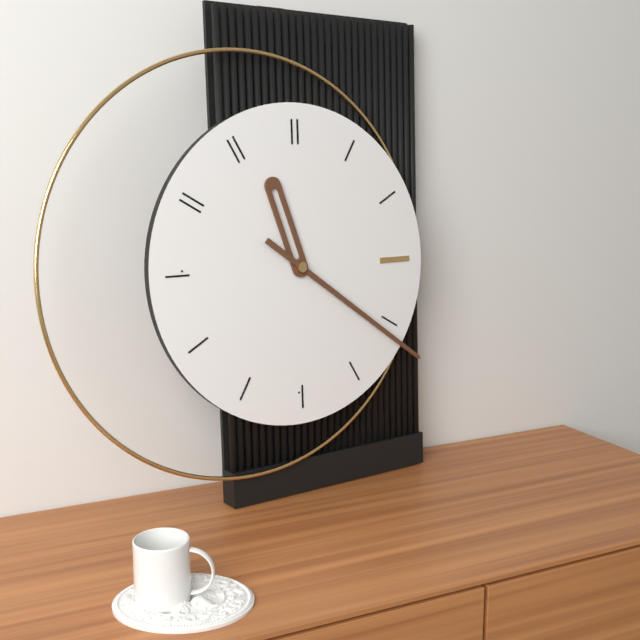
h=11 m=21
